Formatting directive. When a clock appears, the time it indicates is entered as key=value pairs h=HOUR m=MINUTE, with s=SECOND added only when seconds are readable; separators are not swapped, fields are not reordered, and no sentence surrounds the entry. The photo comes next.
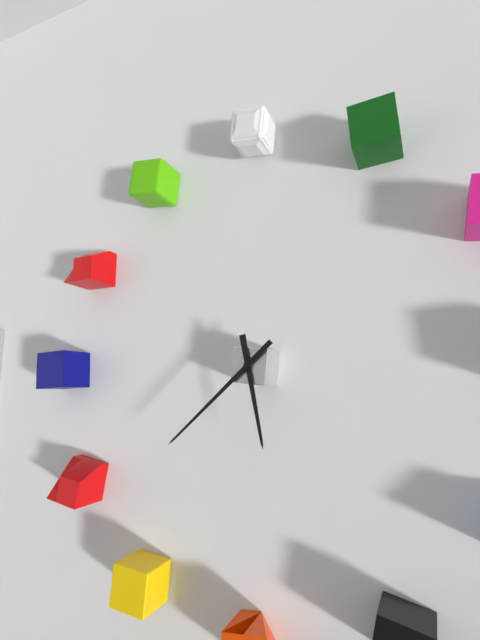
h=5 m=38
